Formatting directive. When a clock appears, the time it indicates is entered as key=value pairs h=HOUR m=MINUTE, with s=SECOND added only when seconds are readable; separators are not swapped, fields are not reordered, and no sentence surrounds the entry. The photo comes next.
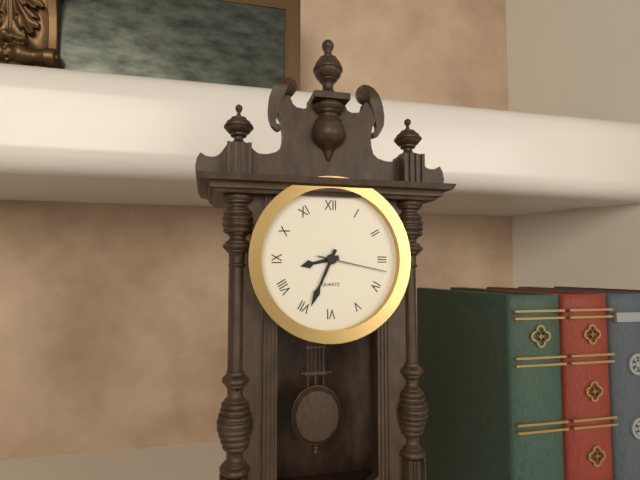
h=8 m=34 s=17
